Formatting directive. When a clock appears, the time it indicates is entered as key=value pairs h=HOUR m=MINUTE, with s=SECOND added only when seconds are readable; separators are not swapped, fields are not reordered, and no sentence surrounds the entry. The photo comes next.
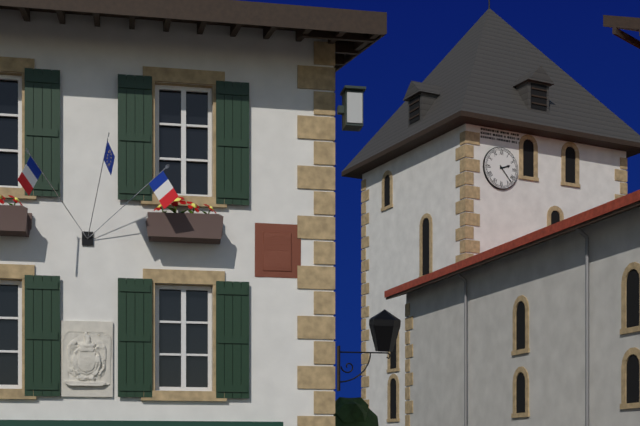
h=2 m=23
